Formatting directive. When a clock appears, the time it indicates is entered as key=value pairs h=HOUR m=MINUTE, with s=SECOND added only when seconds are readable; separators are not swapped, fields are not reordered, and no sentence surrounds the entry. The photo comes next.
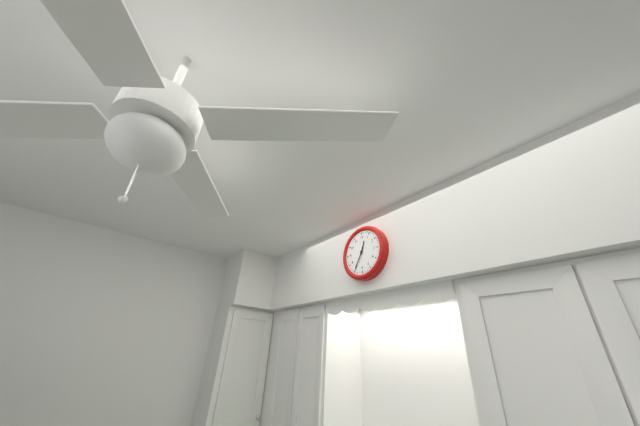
h=12 m=35
